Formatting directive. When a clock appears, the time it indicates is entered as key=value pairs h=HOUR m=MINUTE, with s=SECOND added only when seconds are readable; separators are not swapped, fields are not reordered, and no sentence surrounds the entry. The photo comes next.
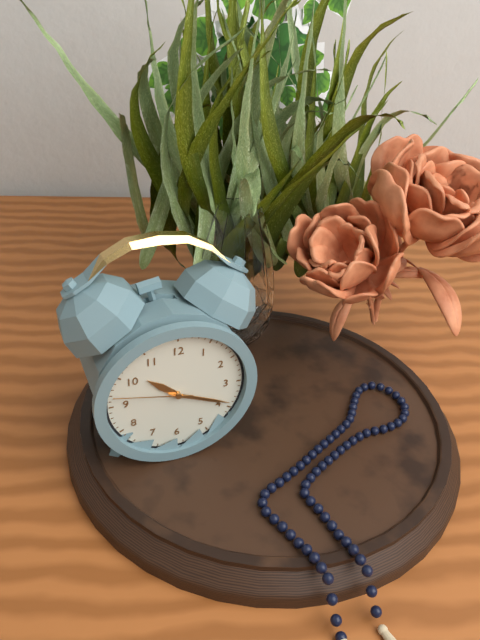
h=10 m=19 s=47
